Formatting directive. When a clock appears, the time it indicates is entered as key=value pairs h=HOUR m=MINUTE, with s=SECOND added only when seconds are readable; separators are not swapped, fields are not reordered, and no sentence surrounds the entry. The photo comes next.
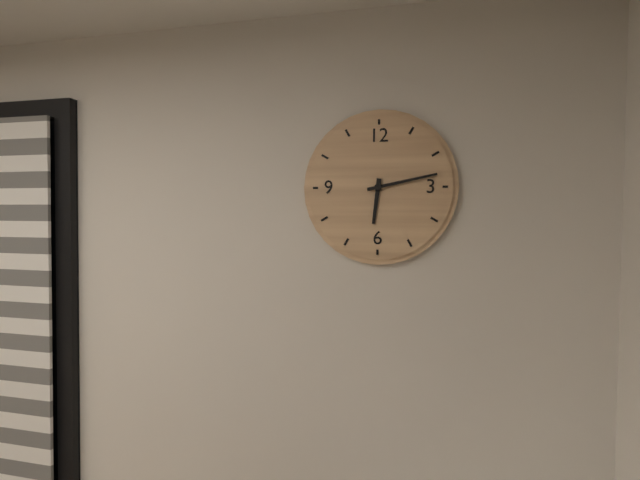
h=6 m=13
